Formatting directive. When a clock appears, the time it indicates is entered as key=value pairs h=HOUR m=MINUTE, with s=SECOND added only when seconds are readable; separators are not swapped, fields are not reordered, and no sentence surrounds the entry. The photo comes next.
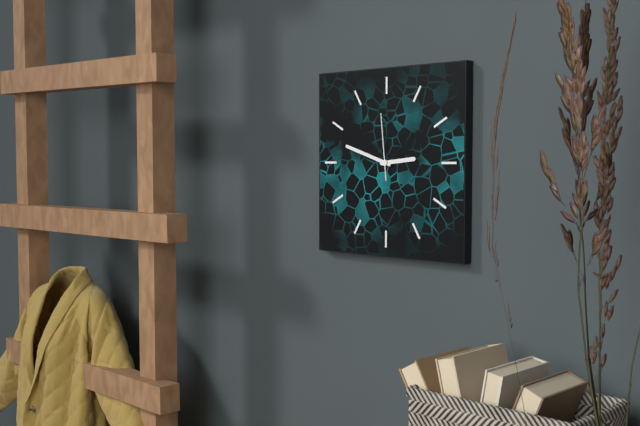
h=2 m=48 s=59
